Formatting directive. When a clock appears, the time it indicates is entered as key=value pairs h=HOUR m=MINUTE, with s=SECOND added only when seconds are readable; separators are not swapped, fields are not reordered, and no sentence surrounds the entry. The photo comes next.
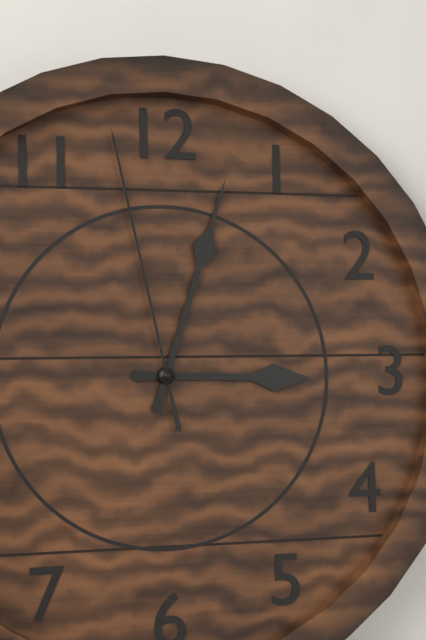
h=3 m=3 s=58
